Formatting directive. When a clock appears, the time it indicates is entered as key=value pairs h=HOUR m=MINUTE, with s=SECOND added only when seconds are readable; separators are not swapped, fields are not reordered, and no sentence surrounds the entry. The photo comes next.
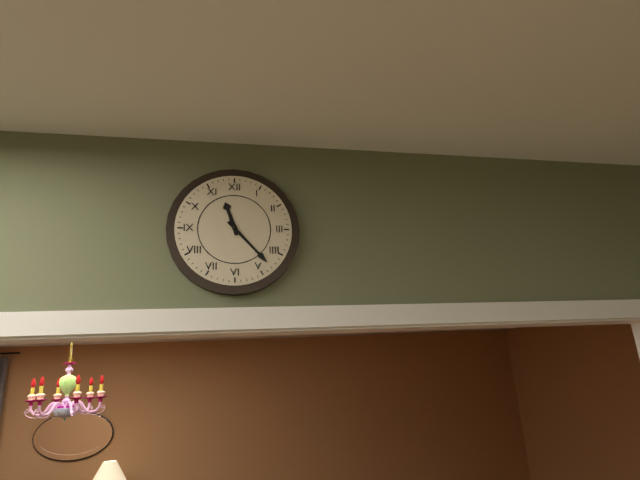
h=11 m=23
